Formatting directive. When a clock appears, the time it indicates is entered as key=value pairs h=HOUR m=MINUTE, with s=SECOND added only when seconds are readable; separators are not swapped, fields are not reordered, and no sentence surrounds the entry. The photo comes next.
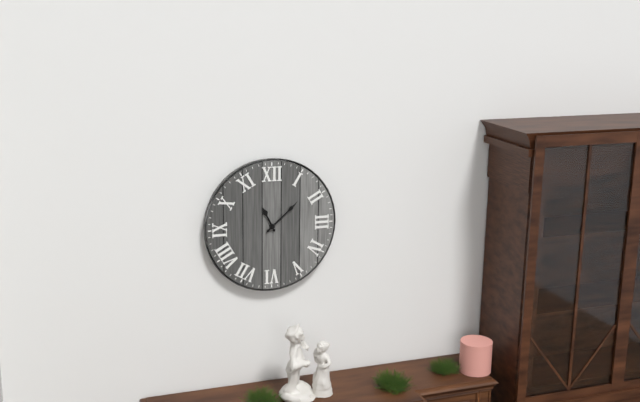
h=11 m=8
